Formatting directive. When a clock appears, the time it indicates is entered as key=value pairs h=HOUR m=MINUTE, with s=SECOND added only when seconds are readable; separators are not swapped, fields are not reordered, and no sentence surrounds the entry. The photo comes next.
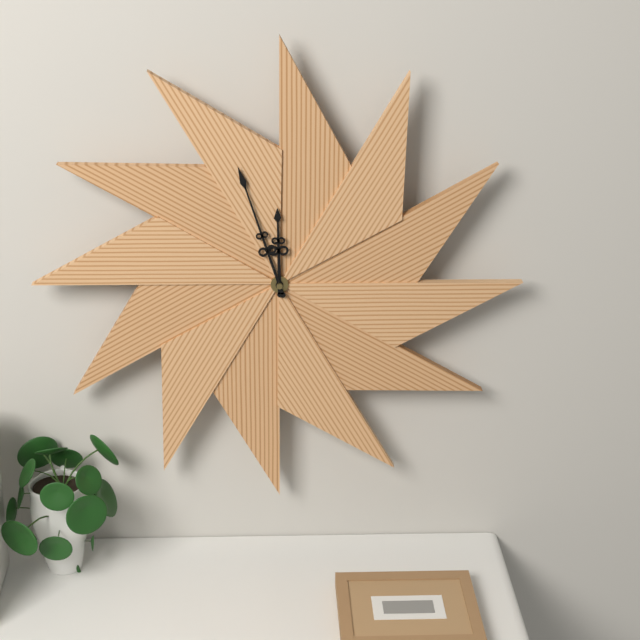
h=11 m=57
